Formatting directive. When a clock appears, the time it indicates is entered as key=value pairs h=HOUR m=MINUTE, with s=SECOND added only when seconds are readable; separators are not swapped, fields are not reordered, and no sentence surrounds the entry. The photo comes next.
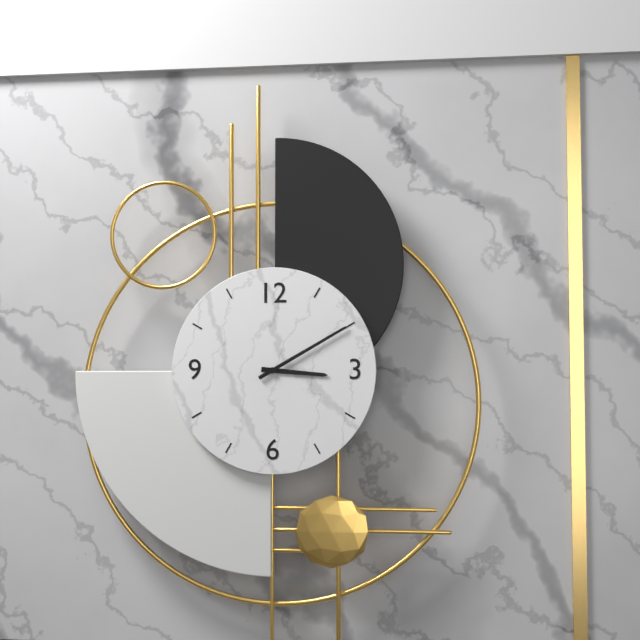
h=3 m=10
